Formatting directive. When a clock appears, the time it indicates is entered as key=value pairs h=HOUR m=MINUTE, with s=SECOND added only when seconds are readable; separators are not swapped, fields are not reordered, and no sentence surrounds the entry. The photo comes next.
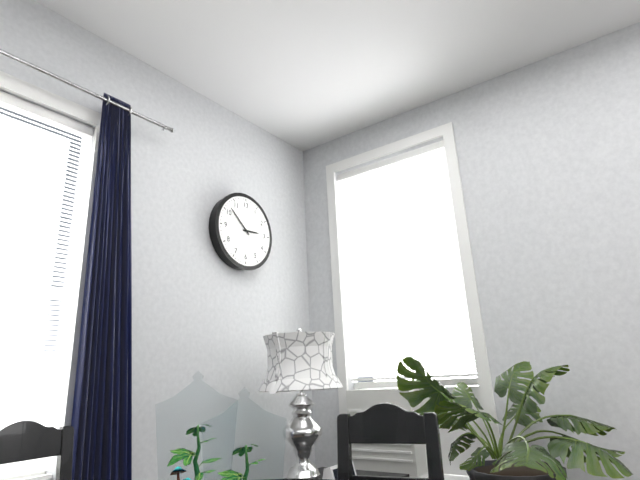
h=2 m=52
